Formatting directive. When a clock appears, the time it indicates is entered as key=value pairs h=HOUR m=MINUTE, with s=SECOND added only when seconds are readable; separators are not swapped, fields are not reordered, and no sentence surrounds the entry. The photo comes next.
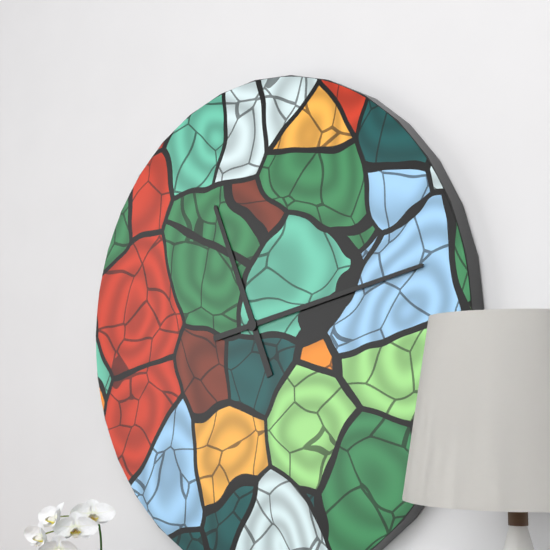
h=11 m=13
